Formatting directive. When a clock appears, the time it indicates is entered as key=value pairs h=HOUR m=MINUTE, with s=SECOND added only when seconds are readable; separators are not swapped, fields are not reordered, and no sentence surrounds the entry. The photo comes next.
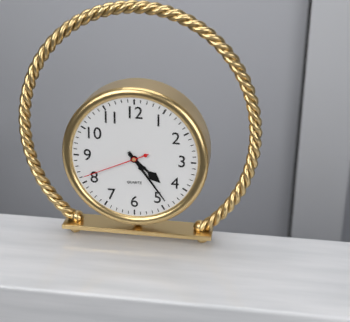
h=4 m=24 s=41
